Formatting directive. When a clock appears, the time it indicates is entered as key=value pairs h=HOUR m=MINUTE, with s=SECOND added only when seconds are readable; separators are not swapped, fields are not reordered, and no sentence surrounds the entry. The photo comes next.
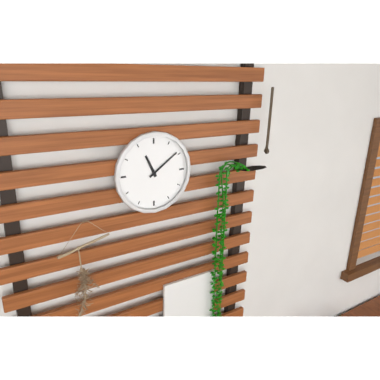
h=11 m=9
